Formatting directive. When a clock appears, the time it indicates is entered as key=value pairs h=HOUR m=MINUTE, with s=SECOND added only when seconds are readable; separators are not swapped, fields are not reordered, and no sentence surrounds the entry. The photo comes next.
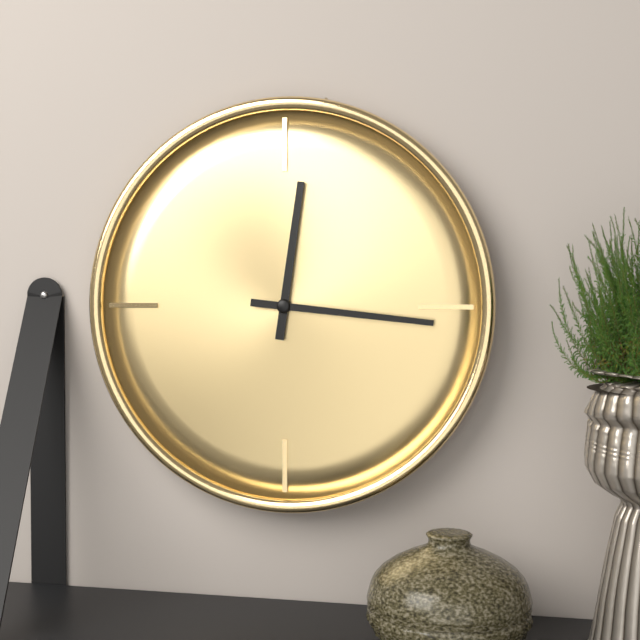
h=12 m=16
